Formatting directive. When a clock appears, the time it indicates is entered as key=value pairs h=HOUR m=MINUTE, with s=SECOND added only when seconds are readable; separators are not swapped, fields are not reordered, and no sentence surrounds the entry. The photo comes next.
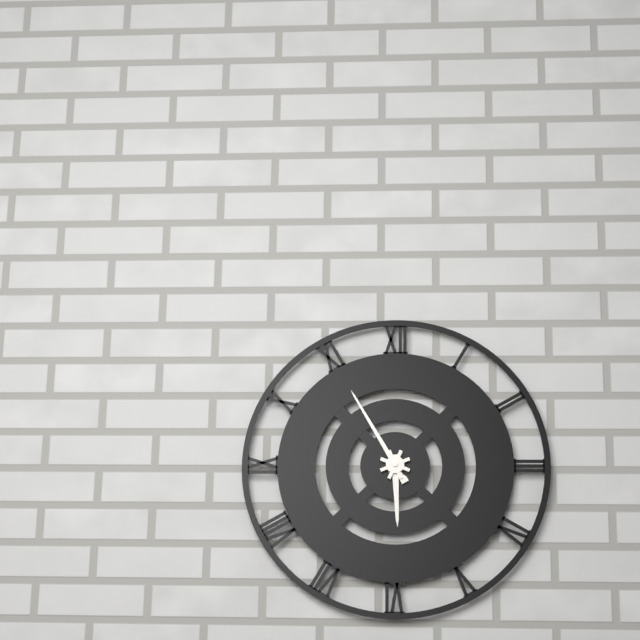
h=5 m=55
